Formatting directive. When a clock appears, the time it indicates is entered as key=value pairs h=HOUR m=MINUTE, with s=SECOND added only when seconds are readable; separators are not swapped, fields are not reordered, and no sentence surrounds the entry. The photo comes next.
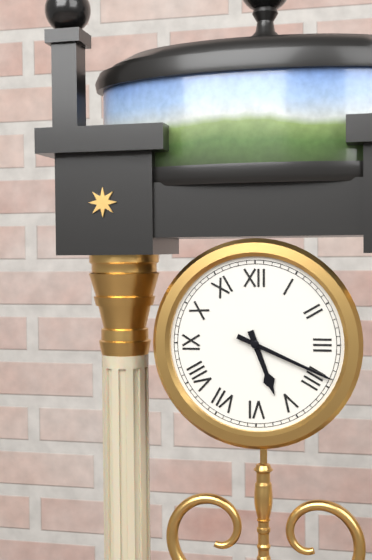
h=5 m=19
